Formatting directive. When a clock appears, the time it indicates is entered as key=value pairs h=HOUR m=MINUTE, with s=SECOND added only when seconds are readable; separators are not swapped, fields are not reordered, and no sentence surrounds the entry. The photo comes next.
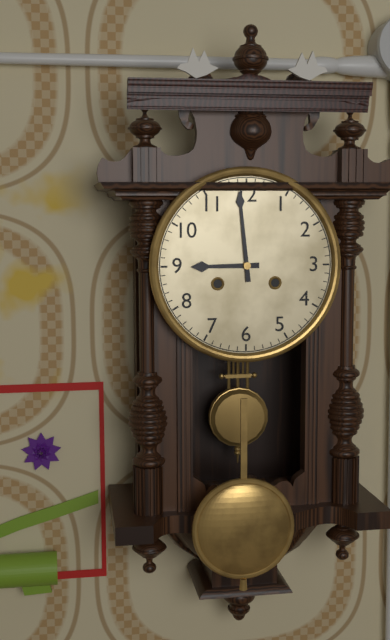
h=8 m=59
